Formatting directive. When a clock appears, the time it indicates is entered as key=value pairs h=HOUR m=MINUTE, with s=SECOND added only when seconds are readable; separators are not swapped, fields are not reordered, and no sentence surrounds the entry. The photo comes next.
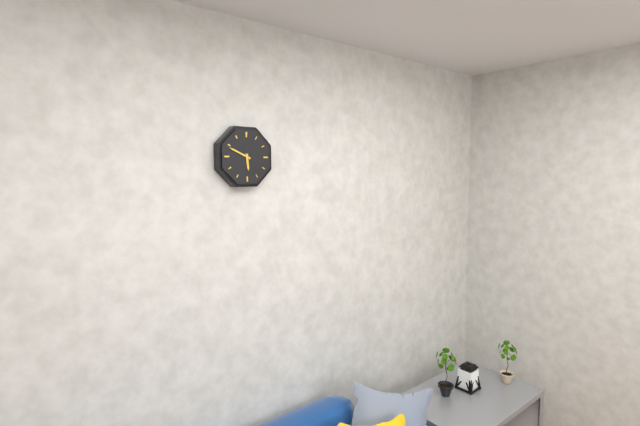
h=5 m=49
